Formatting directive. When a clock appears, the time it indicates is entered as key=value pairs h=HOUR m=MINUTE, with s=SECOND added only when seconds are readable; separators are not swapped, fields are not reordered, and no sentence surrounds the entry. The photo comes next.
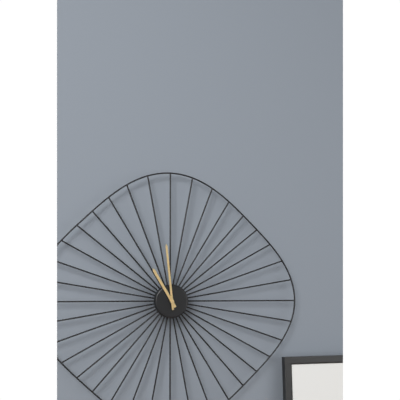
h=10 m=59
